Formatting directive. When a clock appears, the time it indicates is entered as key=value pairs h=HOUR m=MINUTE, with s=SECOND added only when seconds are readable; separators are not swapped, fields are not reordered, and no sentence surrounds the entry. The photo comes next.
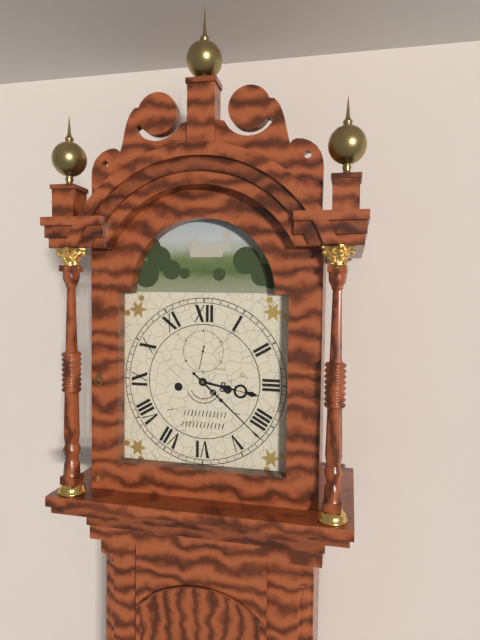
h=3 m=22
